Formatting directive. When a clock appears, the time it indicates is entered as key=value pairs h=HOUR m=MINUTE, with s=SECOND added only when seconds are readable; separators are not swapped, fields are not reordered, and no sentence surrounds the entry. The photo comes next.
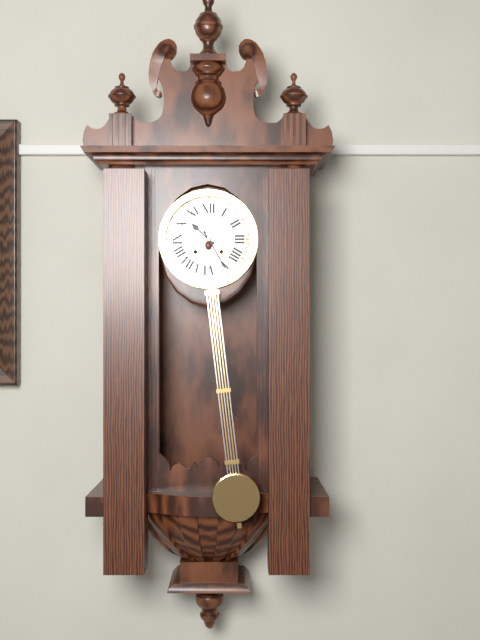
h=10 m=25
